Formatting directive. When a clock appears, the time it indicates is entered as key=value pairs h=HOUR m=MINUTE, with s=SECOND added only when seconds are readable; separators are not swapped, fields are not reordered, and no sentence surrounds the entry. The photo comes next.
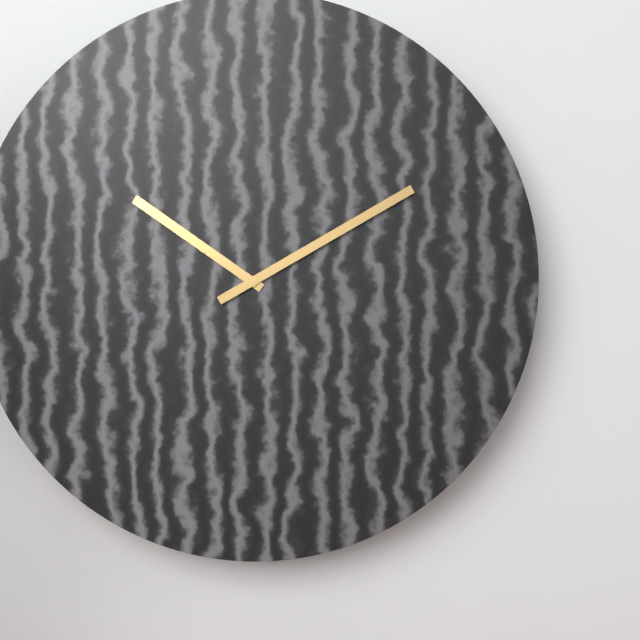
h=10 m=10
